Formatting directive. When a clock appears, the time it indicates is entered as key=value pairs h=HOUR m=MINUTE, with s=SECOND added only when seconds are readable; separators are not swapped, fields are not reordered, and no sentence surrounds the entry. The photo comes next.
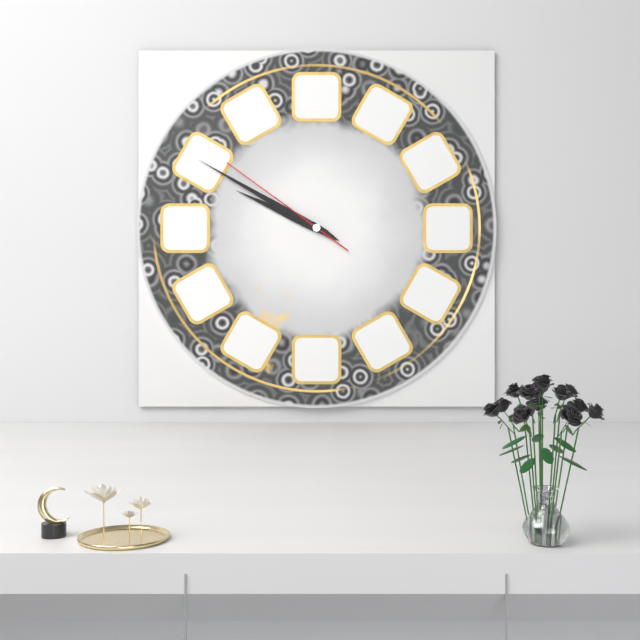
h=9 m=50 s=51
